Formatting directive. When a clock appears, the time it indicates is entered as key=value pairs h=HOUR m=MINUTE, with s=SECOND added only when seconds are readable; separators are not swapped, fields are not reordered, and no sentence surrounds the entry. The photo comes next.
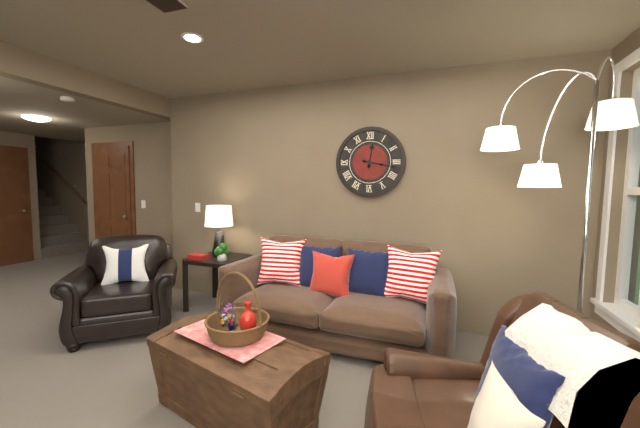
h=12 m=17
